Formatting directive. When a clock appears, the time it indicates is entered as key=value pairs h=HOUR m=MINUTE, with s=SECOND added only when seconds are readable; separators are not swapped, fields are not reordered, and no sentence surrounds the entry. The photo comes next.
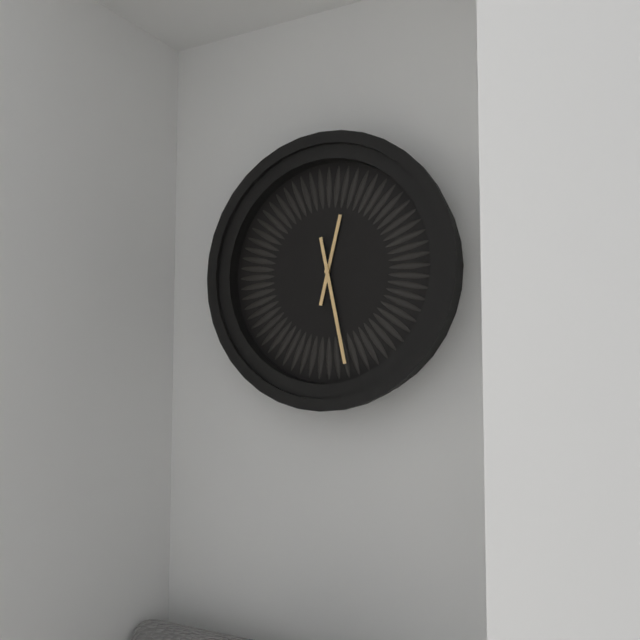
h=12 m=28
